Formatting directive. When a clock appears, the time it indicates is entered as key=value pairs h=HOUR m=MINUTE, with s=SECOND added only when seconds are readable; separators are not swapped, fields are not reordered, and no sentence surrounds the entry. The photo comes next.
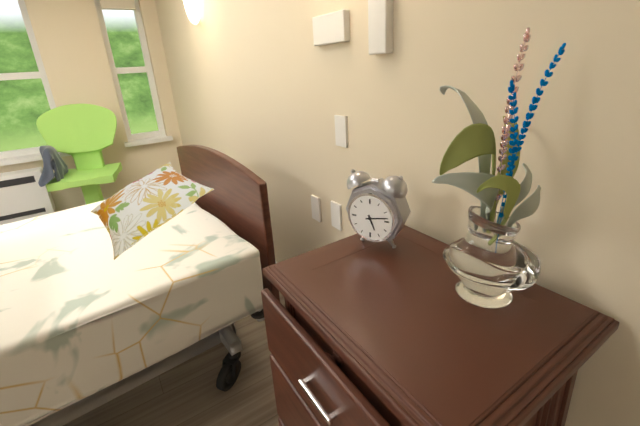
h=5 m=13
